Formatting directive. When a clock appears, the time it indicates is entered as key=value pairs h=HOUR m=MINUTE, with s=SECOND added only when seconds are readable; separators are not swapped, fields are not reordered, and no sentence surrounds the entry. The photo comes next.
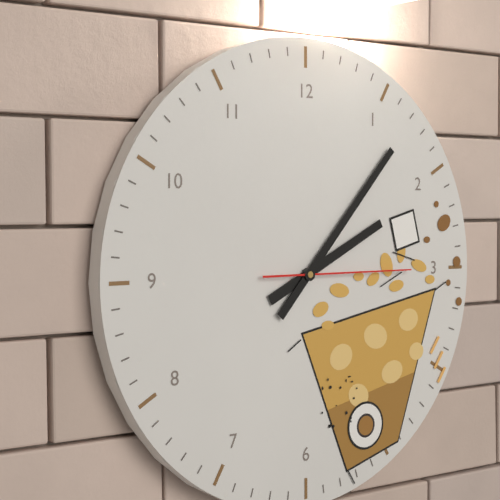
h=2 m=7 s=15
